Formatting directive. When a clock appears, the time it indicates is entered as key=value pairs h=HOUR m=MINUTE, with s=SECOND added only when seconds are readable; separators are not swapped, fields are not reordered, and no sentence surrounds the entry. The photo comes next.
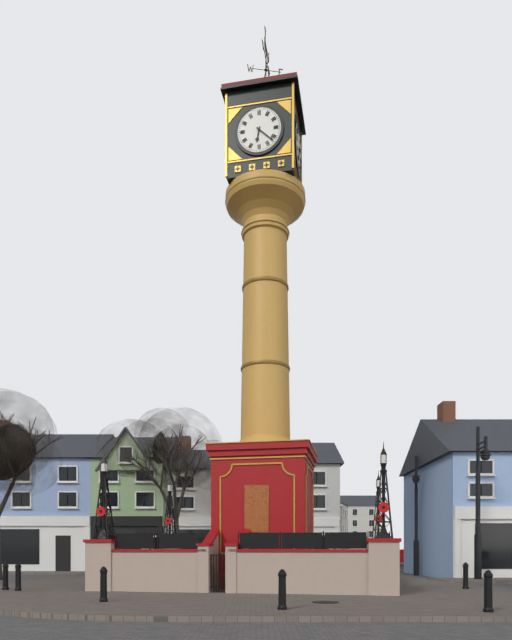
h=6 m=22
